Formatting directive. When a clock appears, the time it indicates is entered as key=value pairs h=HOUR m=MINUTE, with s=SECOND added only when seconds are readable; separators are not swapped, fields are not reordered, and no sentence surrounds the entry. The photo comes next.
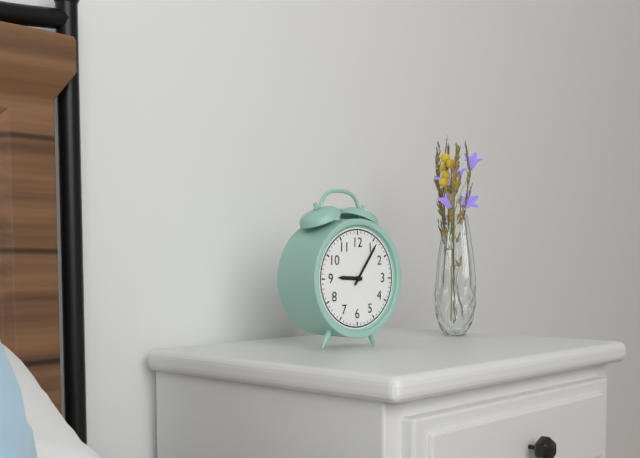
h=9 m=6
